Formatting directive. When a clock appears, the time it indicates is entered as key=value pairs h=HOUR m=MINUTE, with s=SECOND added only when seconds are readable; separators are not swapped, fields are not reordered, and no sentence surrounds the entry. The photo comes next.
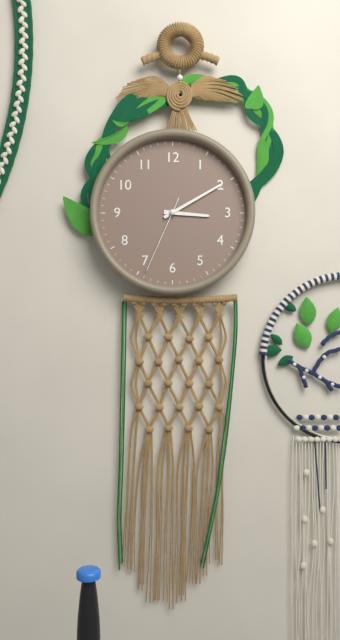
h=3 m=10 s=34
